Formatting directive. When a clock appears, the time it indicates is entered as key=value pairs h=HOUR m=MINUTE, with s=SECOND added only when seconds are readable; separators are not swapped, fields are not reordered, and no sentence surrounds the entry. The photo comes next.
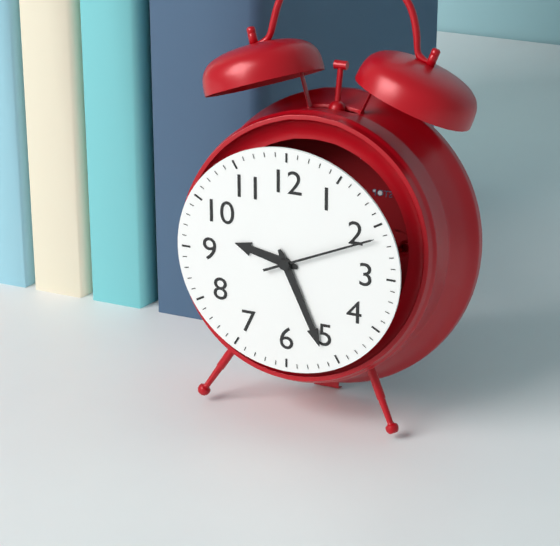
h=9 m=26 s=11
